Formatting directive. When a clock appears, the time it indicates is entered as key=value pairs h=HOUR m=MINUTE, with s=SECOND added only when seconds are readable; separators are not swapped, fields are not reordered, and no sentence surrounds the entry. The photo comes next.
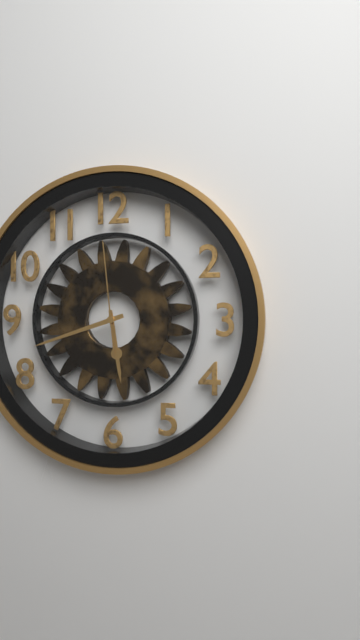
h=5 m=42 s=59
